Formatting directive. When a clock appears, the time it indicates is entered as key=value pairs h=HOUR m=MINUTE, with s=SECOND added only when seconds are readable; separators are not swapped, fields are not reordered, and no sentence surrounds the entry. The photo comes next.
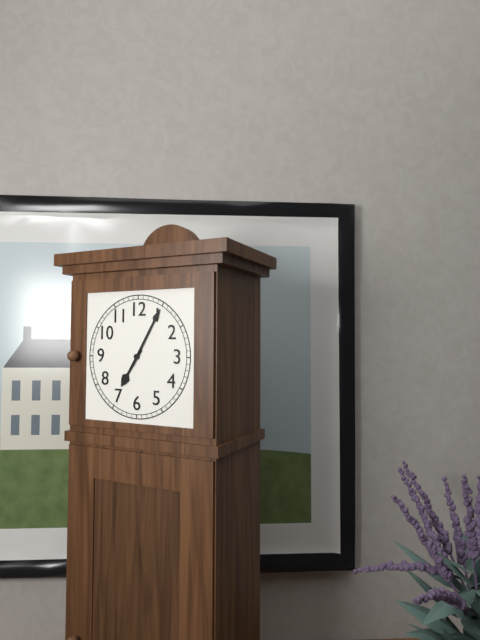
h=7 m=5
